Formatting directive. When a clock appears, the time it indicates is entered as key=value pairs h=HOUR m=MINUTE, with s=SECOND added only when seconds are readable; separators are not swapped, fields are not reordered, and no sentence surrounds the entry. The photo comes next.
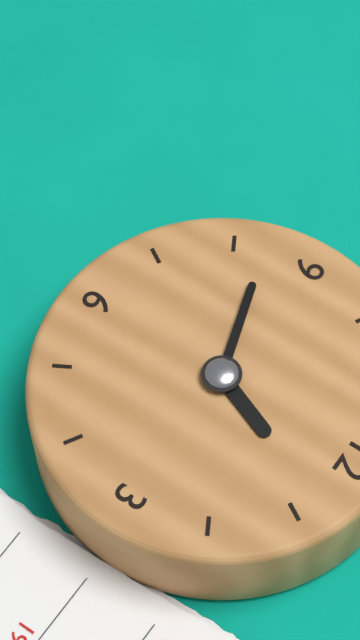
h=12 m=42
